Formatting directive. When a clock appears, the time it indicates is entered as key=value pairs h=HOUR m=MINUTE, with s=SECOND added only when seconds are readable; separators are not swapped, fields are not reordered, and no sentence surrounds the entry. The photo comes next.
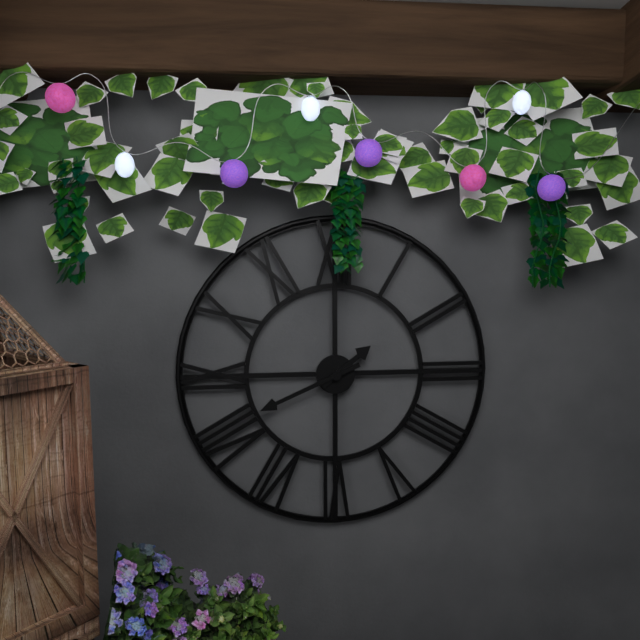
h=1 m=41
